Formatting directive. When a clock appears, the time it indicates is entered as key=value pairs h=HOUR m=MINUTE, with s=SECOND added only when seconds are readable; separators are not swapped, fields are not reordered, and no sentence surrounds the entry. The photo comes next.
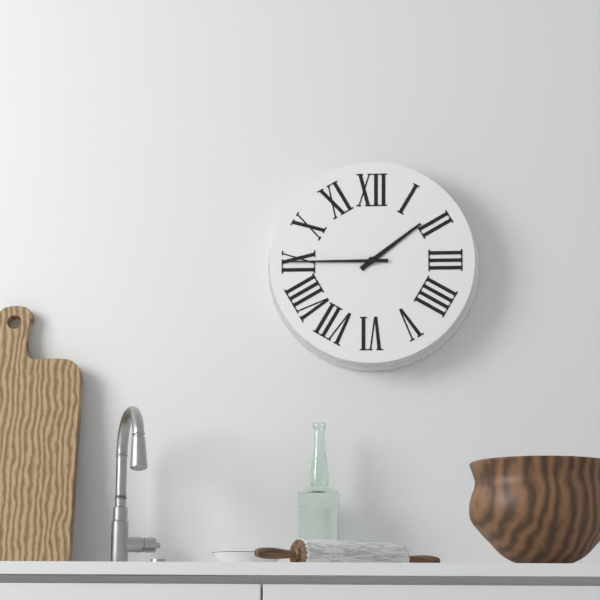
h=1 m=45
